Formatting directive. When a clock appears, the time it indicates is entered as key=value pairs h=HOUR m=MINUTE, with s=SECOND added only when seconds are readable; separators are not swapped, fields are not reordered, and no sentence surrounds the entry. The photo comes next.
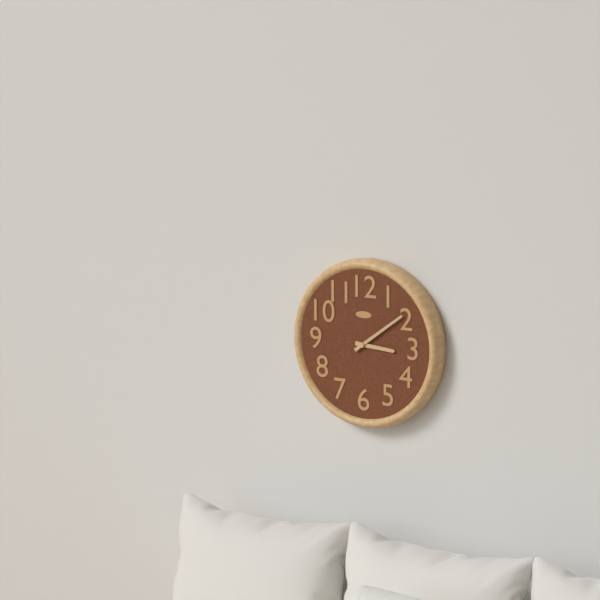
h=3 m=9
